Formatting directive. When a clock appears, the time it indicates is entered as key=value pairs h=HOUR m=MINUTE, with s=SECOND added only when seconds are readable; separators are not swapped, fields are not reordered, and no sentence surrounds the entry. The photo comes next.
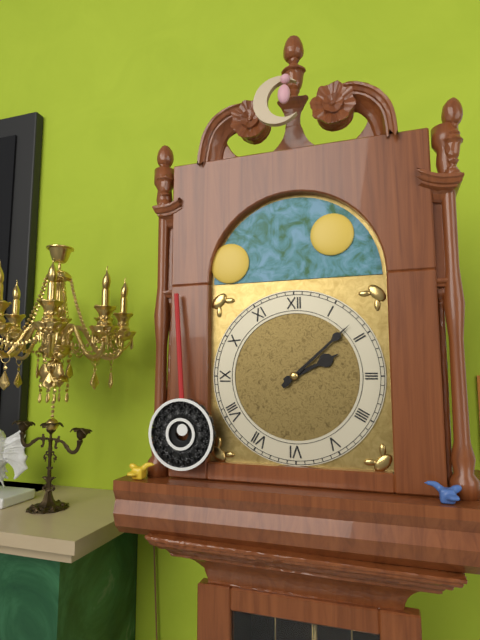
h=2 m=8
